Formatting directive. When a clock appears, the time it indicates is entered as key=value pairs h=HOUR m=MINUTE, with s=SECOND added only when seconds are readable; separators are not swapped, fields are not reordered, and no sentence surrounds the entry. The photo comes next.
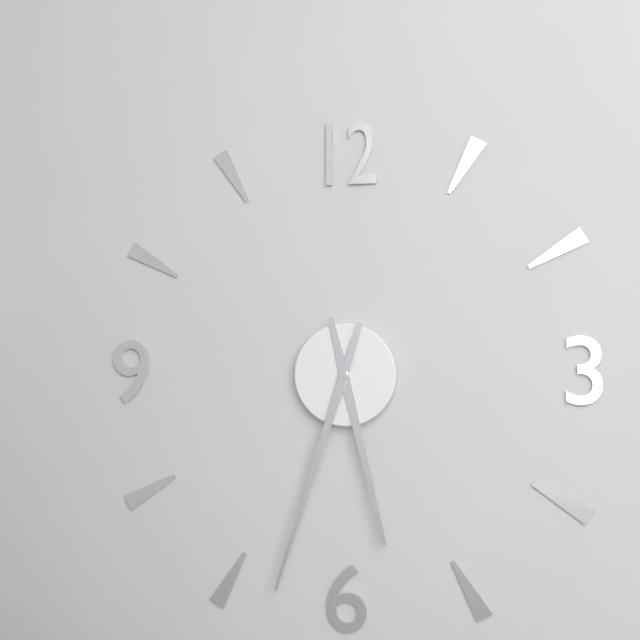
h=5 m=33
